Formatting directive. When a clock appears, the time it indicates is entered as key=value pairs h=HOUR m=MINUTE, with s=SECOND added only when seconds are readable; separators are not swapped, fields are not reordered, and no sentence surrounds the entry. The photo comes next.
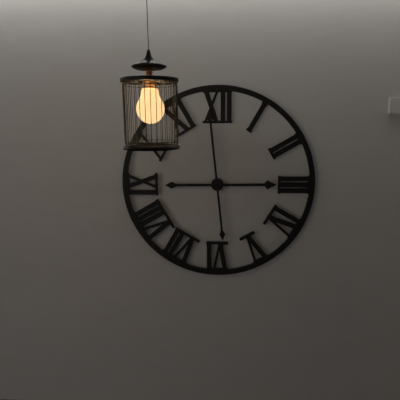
h=2 m=59
